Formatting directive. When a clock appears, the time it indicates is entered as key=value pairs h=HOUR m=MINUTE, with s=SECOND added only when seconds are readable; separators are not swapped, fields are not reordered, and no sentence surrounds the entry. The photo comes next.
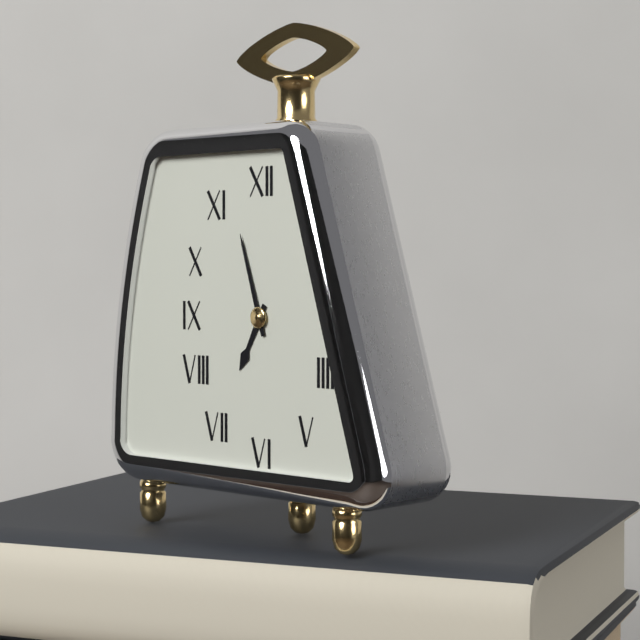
h=6 m=57
